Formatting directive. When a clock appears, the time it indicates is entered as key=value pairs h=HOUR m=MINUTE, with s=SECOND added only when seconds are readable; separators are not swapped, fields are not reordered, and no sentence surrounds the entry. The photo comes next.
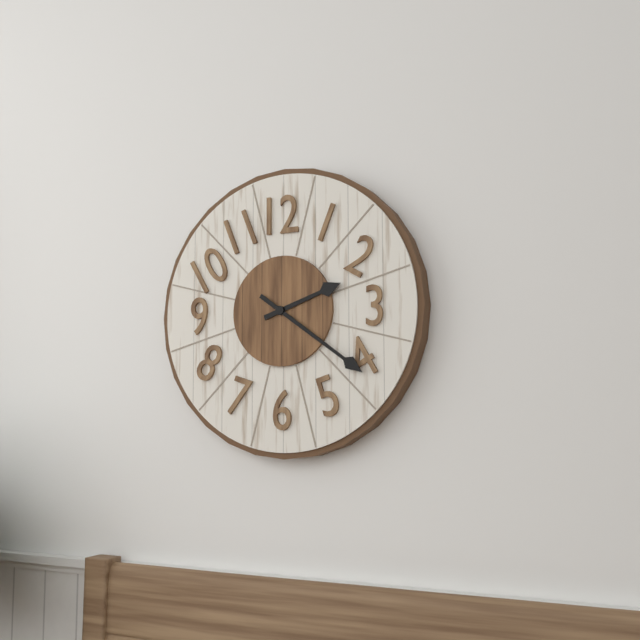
h=2 m=21
